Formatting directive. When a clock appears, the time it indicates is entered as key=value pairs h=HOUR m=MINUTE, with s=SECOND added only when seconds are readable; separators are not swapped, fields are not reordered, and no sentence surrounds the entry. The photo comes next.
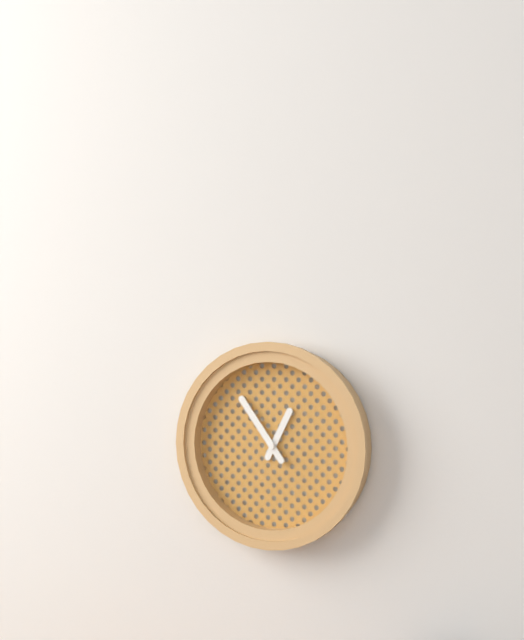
h=12 m=54
